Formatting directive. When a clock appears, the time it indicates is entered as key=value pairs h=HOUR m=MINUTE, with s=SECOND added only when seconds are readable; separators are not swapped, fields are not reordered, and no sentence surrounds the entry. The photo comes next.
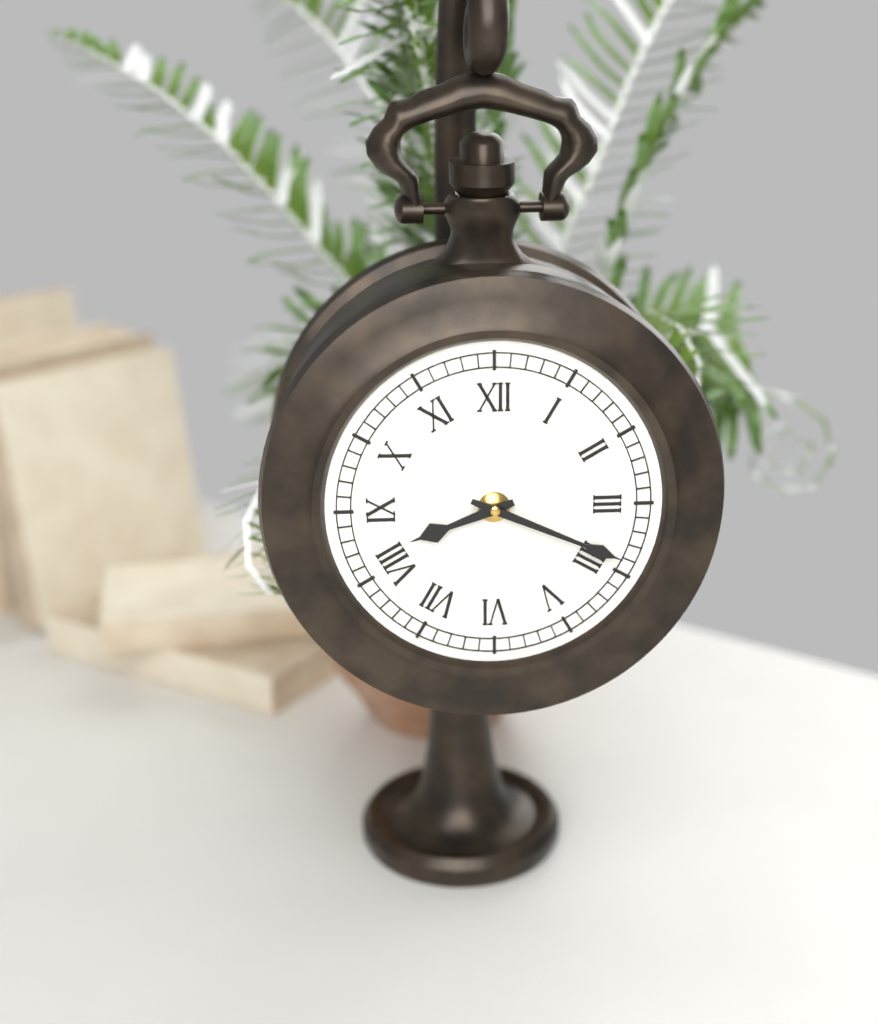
h=8 m=19
